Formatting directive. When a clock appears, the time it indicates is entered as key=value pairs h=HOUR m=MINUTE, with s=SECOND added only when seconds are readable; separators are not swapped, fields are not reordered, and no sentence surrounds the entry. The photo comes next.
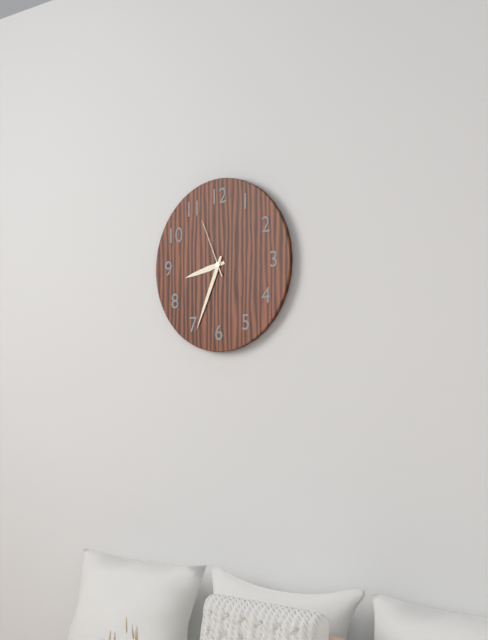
h=8 m=34 s=56
